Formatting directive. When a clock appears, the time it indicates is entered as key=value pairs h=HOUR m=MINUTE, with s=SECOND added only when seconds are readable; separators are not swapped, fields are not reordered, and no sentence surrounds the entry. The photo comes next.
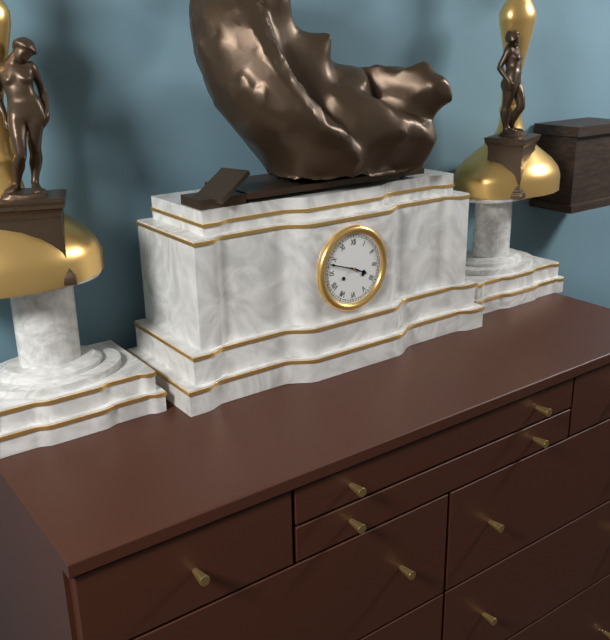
h=3 m=48
